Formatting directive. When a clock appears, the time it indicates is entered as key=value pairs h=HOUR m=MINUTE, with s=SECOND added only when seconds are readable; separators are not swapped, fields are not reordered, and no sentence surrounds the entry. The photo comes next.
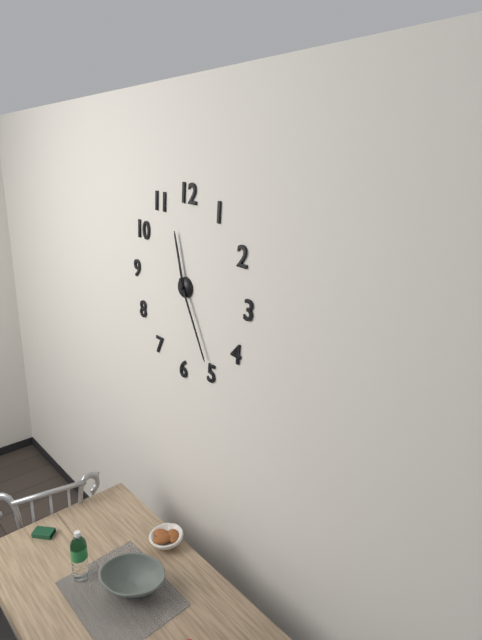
h=11 m=25
